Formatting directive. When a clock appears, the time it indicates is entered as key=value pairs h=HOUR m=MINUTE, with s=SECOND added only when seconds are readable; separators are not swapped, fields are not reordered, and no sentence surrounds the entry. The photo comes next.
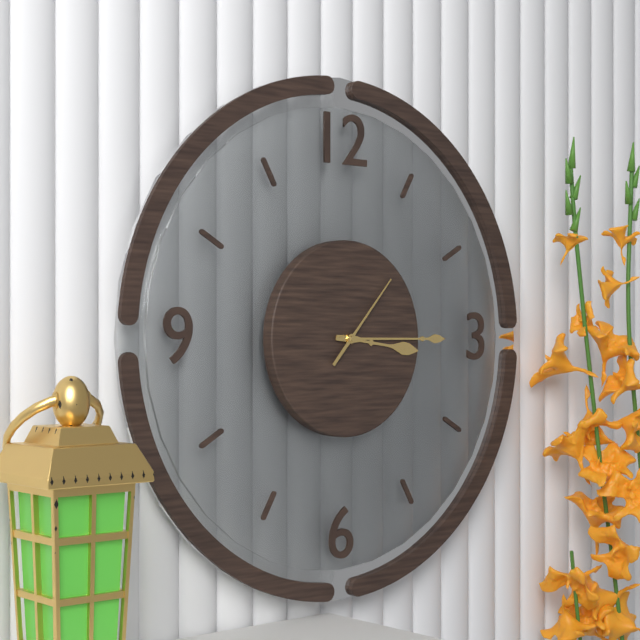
h=3 m=15 s=7
